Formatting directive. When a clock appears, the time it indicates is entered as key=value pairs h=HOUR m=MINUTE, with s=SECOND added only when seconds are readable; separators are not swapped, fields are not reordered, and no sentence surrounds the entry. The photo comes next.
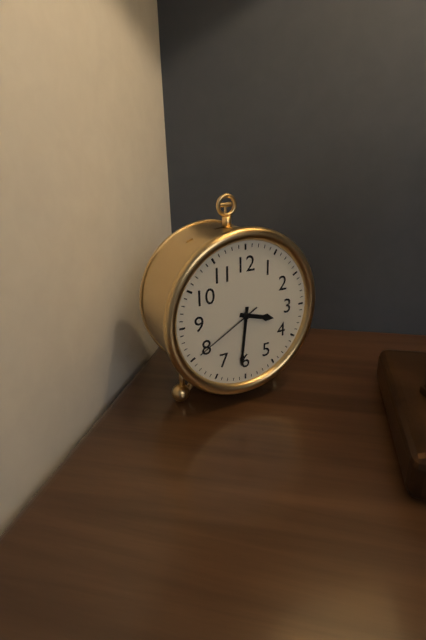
h=3 m=31 s=40
